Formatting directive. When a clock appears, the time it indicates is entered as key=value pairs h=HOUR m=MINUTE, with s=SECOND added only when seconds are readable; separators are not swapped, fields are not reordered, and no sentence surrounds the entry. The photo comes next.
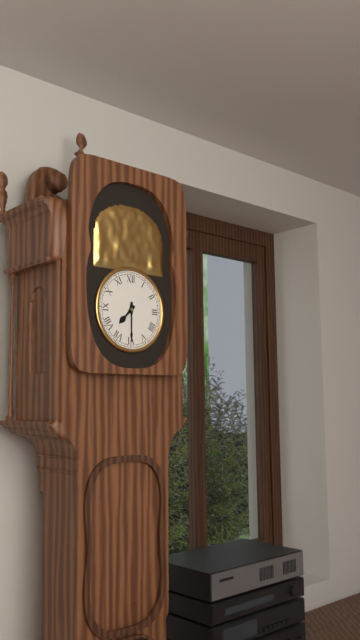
h=7 m=30
